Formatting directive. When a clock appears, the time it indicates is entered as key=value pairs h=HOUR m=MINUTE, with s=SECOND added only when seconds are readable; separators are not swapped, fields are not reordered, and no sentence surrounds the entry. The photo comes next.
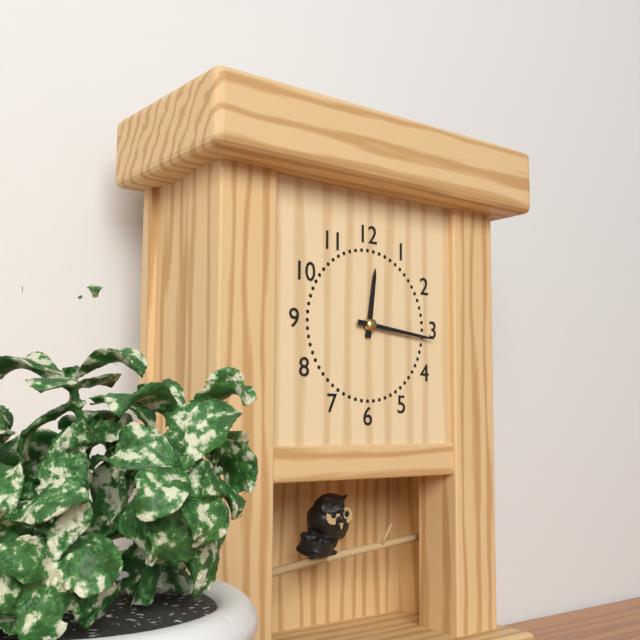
h=12 m=16
